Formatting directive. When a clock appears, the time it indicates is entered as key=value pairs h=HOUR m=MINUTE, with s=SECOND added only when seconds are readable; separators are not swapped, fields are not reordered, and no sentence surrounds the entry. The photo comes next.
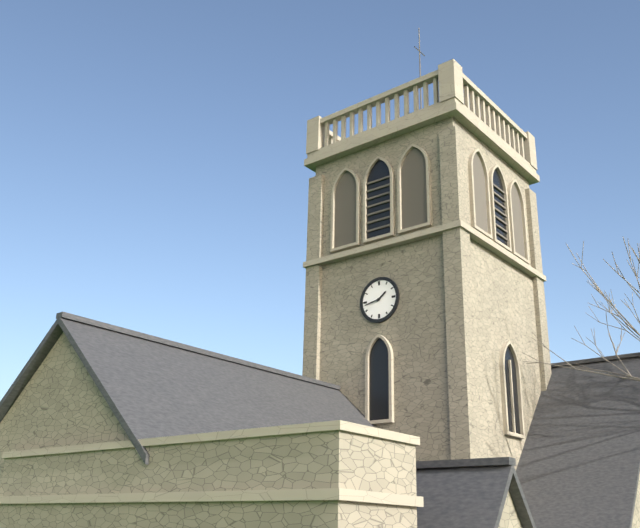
h=1 m=43
